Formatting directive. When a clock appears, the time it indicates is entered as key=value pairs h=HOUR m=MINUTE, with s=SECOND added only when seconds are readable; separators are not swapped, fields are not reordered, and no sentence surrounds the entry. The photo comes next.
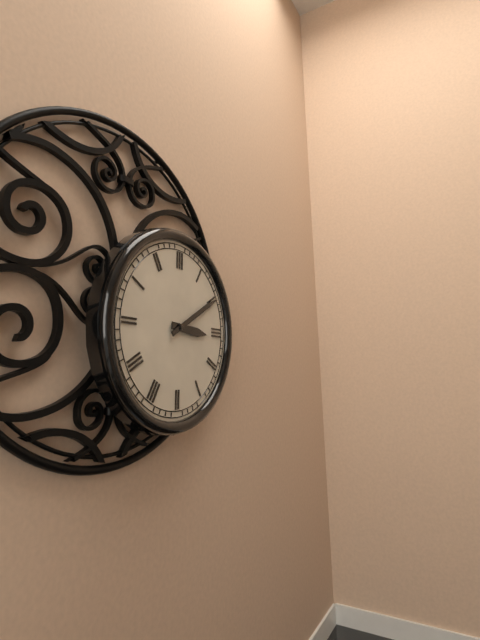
h=3 m=10
